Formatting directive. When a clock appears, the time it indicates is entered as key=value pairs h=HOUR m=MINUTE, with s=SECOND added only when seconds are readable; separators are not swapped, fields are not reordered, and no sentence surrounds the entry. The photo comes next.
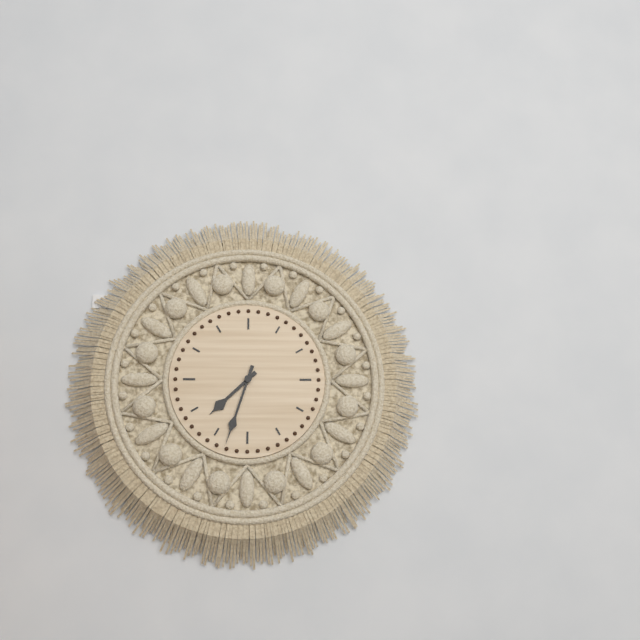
h=7 m=33
